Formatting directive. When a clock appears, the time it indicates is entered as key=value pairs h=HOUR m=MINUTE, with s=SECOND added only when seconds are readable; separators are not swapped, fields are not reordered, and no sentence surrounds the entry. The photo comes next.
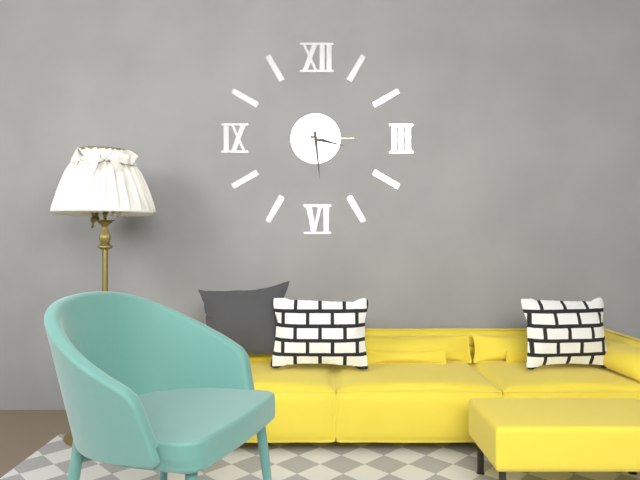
h=3 m=29
